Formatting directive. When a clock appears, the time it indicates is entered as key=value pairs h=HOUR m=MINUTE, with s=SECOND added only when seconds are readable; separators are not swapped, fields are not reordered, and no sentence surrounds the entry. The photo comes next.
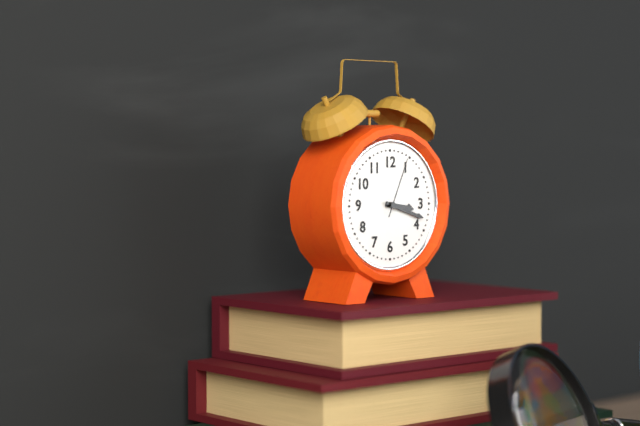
h=3 m=18 s=4
